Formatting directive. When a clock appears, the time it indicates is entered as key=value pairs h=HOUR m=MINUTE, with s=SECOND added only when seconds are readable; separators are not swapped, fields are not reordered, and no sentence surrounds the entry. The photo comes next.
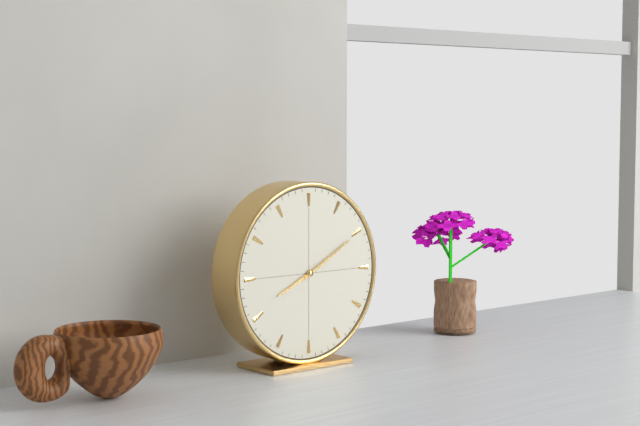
h=8 m=10
